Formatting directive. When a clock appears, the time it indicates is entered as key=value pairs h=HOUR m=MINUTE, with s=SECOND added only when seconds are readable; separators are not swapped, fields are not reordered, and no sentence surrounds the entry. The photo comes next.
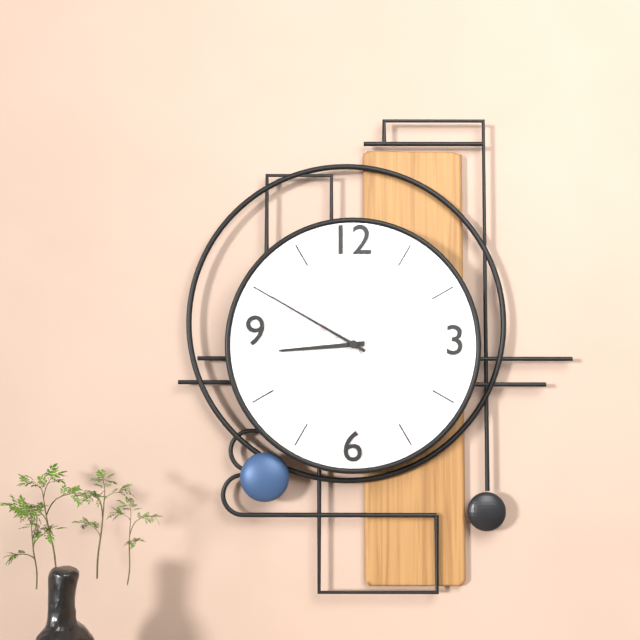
h=8 m=50 s=56
